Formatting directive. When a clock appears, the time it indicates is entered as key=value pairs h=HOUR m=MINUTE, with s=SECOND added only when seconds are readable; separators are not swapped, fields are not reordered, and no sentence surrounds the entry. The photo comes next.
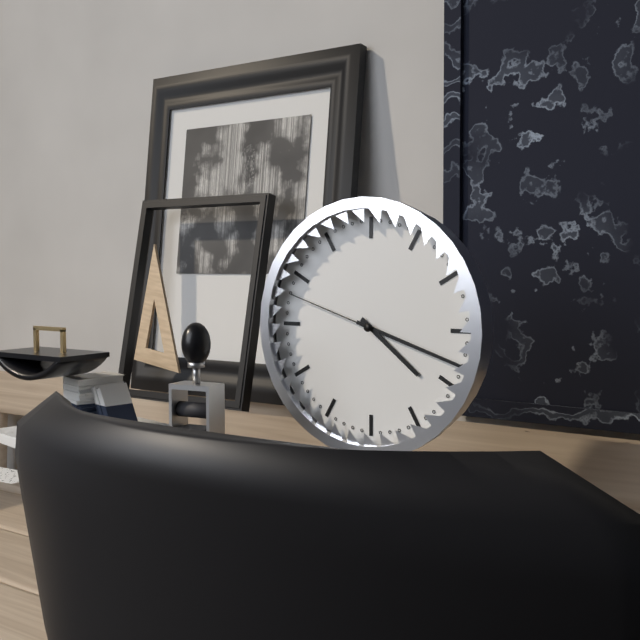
h=4 m=18 s=48
